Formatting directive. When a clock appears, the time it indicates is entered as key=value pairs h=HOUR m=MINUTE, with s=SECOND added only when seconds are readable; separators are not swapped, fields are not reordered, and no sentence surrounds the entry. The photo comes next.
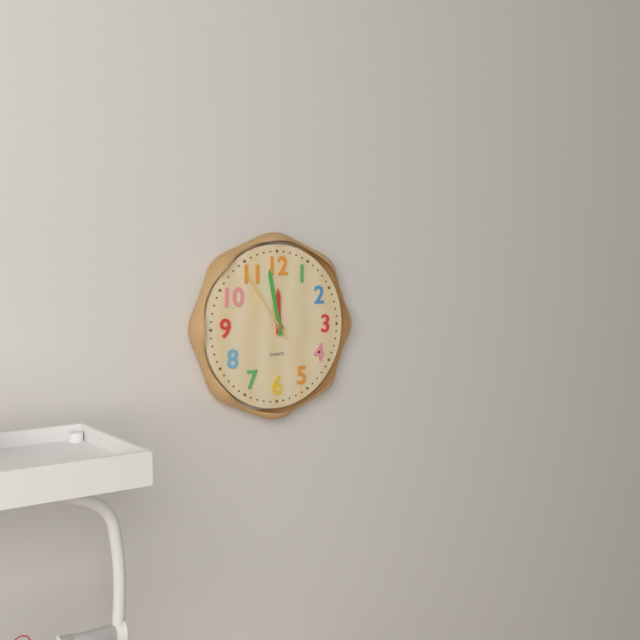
h=11 m=58 s=54
